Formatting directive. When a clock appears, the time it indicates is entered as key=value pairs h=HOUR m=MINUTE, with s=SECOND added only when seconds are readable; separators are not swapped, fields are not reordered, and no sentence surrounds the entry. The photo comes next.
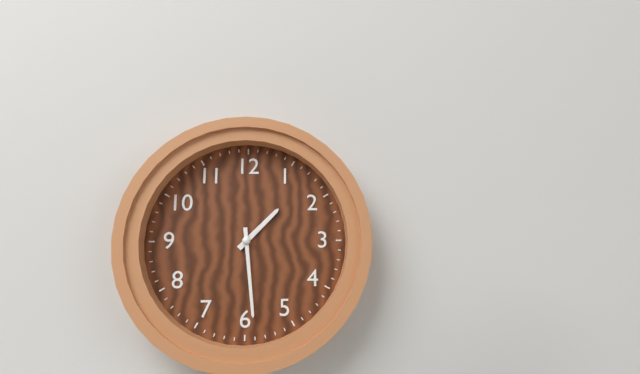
h=1 m=29
